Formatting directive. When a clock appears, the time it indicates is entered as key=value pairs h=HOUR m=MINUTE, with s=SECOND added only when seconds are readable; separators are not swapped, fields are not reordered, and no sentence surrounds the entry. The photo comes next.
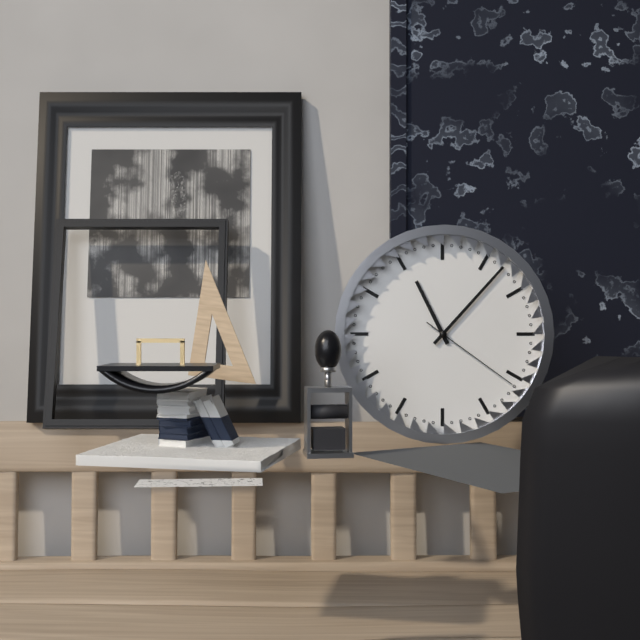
h=11 m=7 s=21
